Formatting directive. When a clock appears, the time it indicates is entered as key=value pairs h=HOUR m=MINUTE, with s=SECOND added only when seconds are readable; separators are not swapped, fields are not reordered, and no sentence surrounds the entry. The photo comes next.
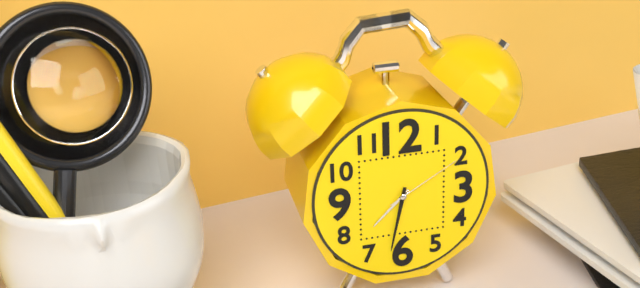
h=7 m=32 s=10
